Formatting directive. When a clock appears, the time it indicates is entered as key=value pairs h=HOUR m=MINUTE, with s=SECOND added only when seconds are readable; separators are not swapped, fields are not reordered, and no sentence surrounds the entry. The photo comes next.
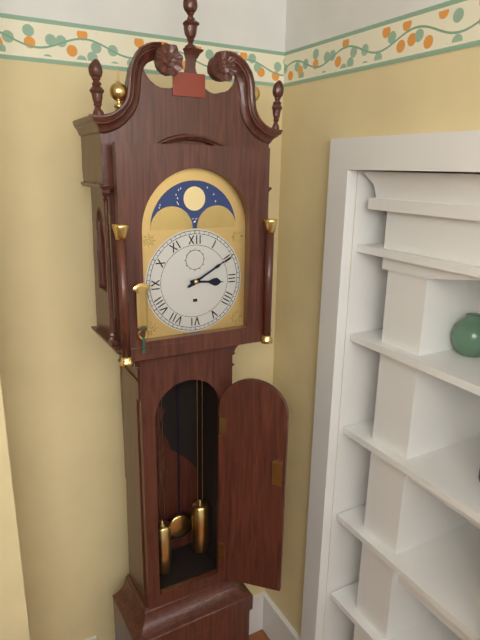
h=3 m=10
